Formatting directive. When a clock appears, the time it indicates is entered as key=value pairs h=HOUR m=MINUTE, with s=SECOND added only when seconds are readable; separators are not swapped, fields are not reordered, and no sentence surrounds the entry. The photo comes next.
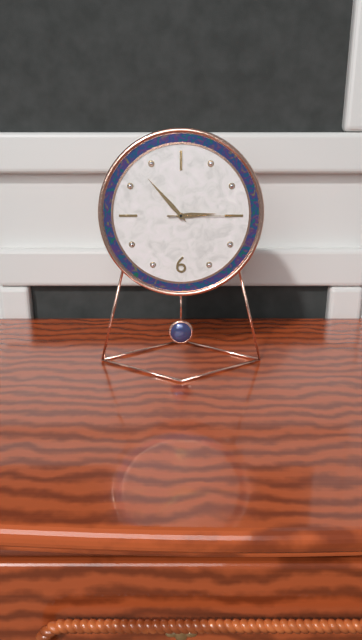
h=2 m=53 s=15
